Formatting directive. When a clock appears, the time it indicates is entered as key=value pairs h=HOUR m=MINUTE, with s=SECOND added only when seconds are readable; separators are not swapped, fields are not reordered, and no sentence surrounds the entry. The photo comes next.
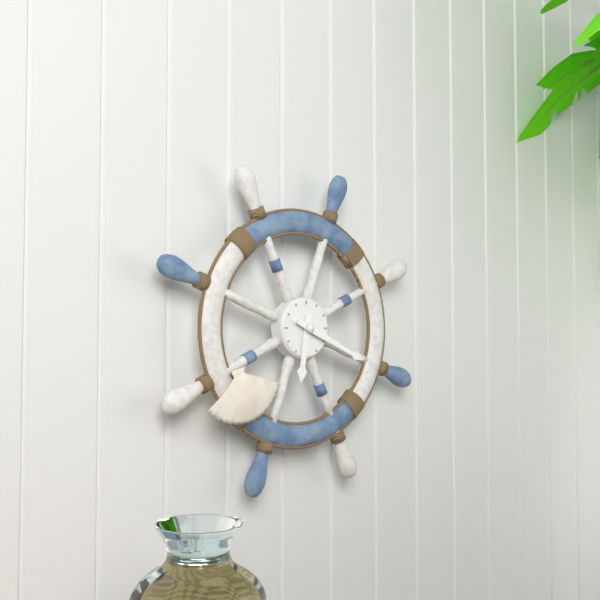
h=6 m=19
